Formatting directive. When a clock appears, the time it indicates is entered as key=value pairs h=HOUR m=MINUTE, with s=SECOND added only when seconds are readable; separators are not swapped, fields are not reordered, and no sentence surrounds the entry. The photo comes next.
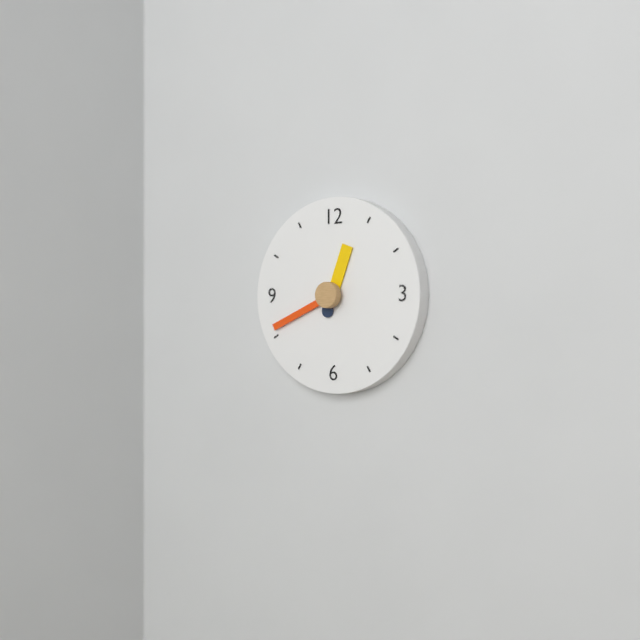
h=12 m=41
